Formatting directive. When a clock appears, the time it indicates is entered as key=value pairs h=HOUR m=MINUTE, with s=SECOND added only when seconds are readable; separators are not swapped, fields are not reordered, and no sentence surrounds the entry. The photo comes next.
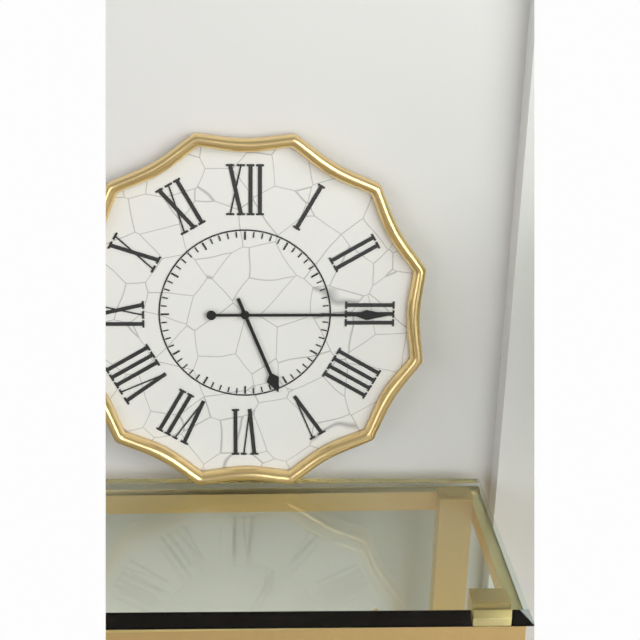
h=5 m=15
